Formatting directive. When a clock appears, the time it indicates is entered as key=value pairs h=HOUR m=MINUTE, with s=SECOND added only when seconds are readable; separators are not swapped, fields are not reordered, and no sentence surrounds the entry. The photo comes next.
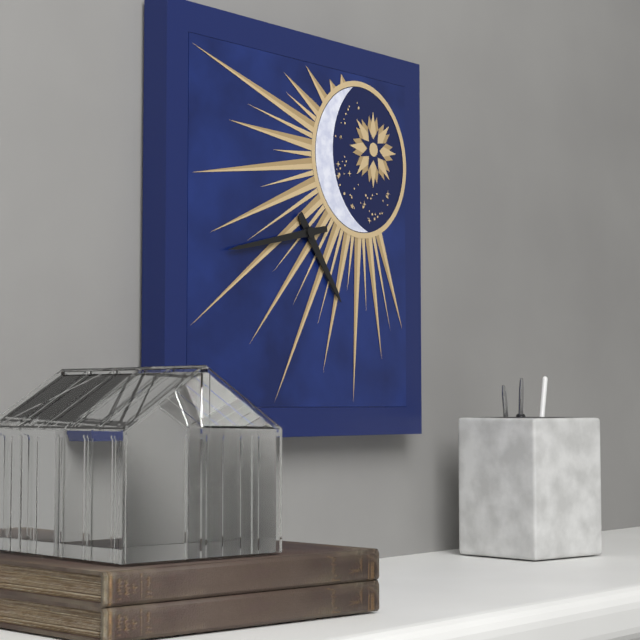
h=4 m=43
